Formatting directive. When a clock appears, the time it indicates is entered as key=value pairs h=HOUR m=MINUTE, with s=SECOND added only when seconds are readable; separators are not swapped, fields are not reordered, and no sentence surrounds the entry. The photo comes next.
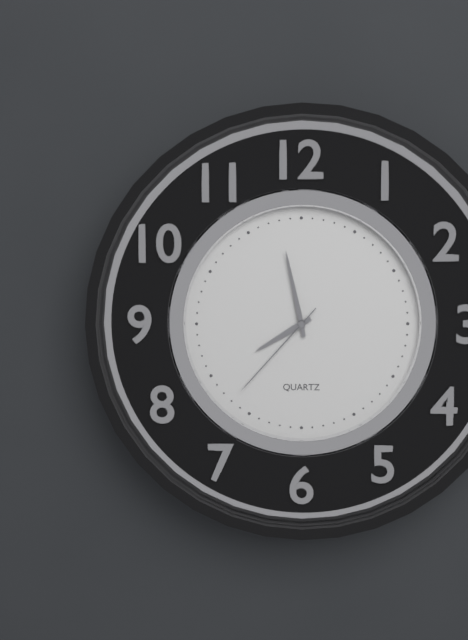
h=7 m=58 s=37
